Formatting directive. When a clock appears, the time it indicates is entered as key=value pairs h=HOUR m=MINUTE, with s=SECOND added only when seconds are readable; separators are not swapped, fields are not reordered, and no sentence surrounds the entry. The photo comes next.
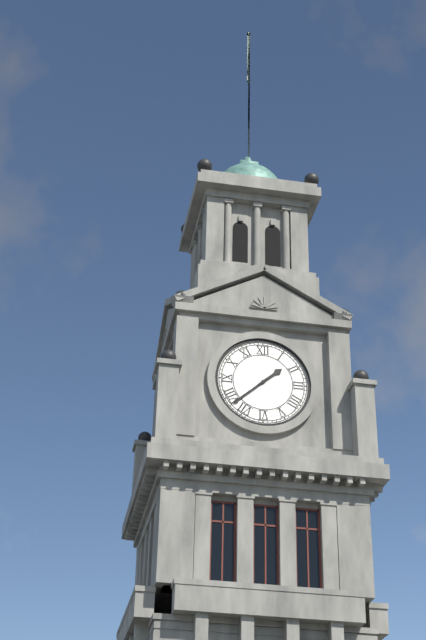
h=1 m=38
